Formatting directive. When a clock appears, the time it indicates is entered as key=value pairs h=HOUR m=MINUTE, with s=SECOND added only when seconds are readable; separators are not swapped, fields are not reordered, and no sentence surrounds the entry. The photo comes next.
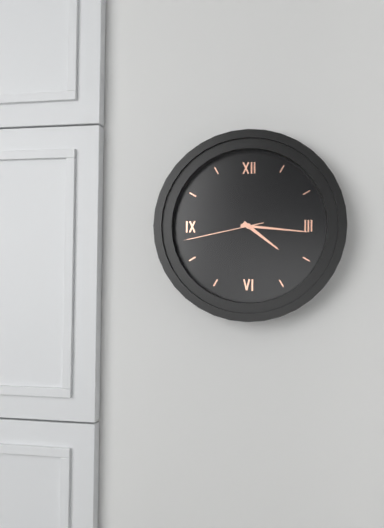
h=4 m=16 s=43
